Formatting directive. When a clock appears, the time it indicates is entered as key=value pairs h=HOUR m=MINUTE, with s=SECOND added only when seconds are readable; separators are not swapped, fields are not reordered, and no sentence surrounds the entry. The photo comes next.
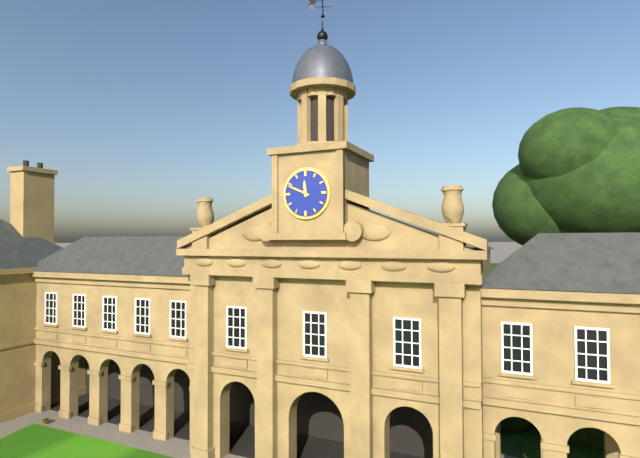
h=11 m=49
